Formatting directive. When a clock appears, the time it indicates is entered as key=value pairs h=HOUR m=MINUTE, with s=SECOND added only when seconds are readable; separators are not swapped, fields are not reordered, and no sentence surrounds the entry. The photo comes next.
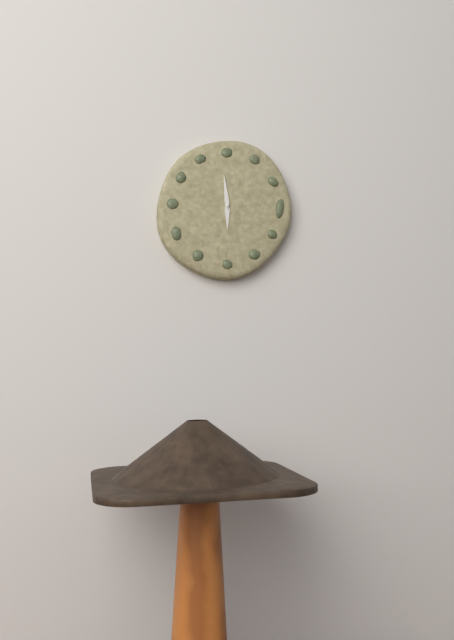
h=5 m=59
